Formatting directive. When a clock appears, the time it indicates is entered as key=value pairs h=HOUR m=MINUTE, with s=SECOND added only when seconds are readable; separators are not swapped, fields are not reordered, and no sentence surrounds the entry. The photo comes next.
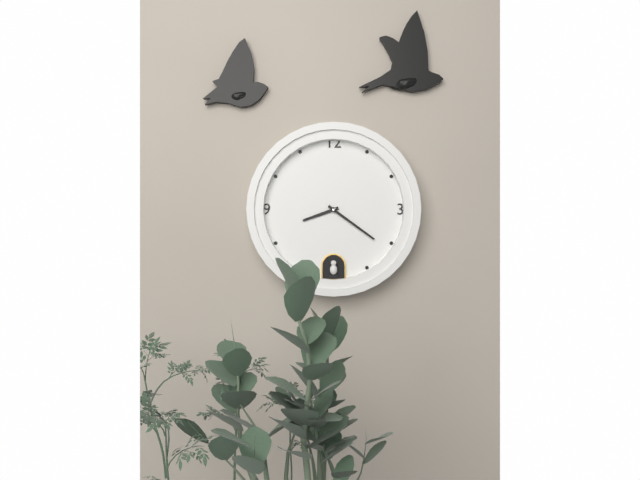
h=8 m=21
